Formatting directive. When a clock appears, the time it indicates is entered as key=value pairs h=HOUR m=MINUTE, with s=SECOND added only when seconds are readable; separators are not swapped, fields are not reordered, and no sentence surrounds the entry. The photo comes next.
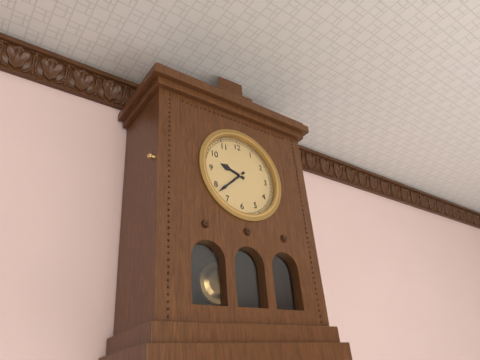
h=9 m=38
